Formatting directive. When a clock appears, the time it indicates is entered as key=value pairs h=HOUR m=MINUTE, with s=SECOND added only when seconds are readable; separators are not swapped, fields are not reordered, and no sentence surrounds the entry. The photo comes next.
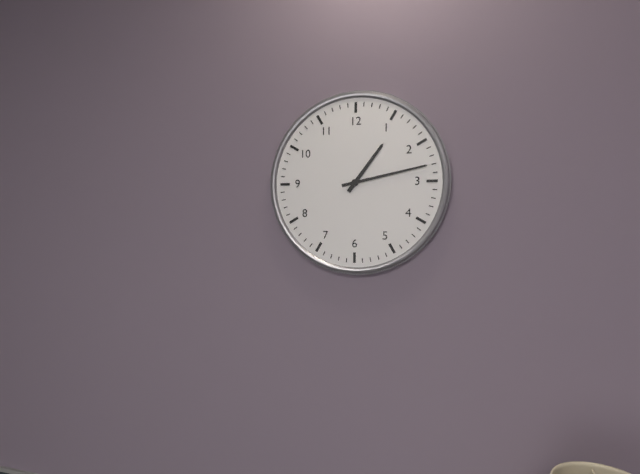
h=1 m=13
